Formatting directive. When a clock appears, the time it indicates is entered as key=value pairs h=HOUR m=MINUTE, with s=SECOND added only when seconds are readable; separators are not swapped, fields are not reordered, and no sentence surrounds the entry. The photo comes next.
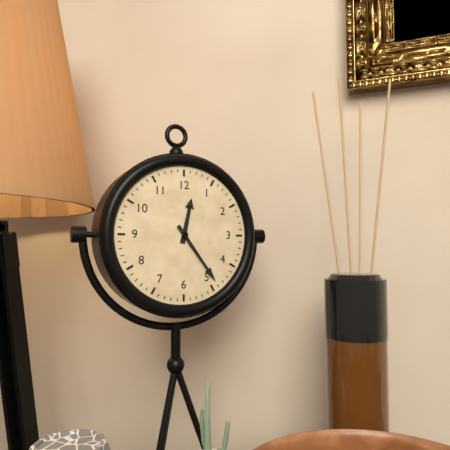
h=12 m=24
